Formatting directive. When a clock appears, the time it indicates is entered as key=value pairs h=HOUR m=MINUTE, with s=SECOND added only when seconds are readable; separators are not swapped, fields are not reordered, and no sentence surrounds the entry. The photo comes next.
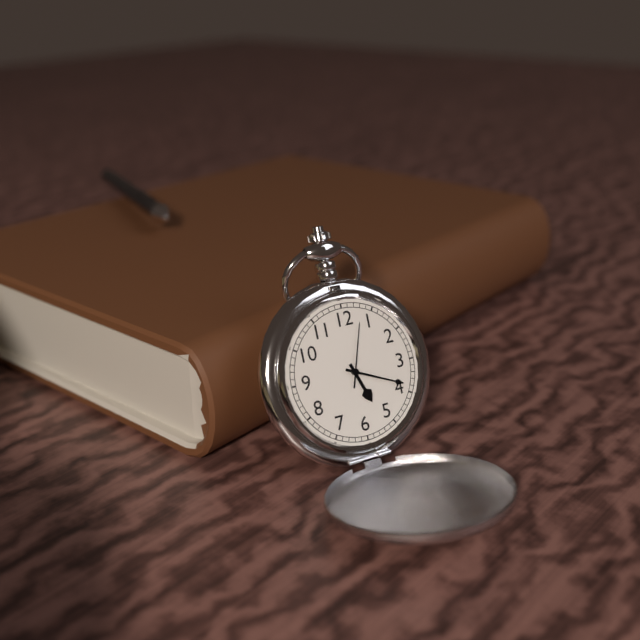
h=5 m=19 s=3
